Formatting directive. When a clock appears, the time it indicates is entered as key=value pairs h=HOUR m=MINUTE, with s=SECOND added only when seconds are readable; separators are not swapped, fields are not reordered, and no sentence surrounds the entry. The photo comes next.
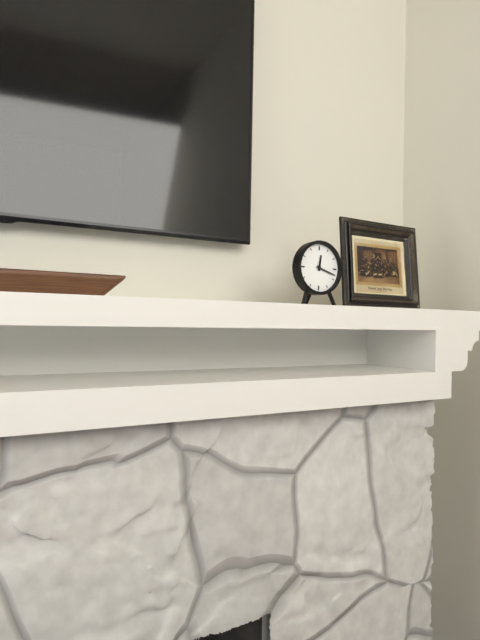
h=12 m=18
